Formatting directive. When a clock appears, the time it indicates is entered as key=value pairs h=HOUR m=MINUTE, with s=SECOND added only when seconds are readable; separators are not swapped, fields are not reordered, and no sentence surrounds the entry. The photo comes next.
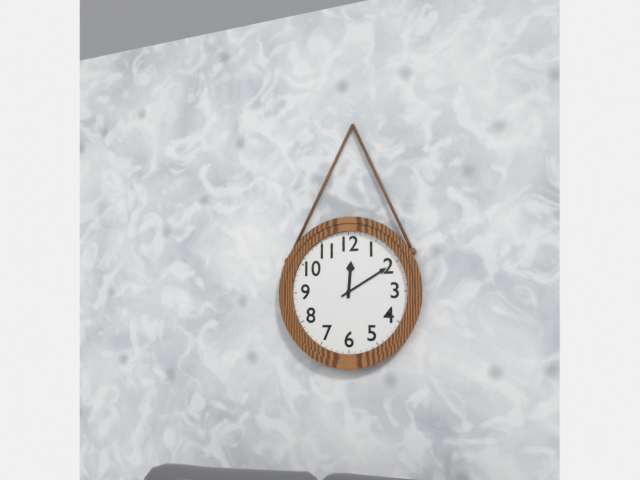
h=12 m=10
